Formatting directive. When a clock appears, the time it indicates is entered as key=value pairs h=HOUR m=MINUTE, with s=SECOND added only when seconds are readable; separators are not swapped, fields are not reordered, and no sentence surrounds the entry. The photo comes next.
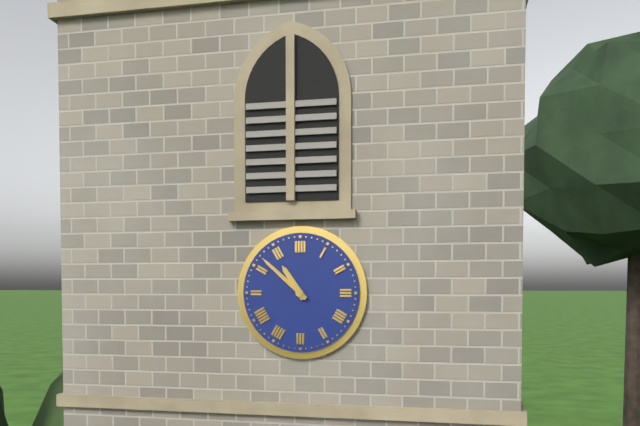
h=10 m=52
